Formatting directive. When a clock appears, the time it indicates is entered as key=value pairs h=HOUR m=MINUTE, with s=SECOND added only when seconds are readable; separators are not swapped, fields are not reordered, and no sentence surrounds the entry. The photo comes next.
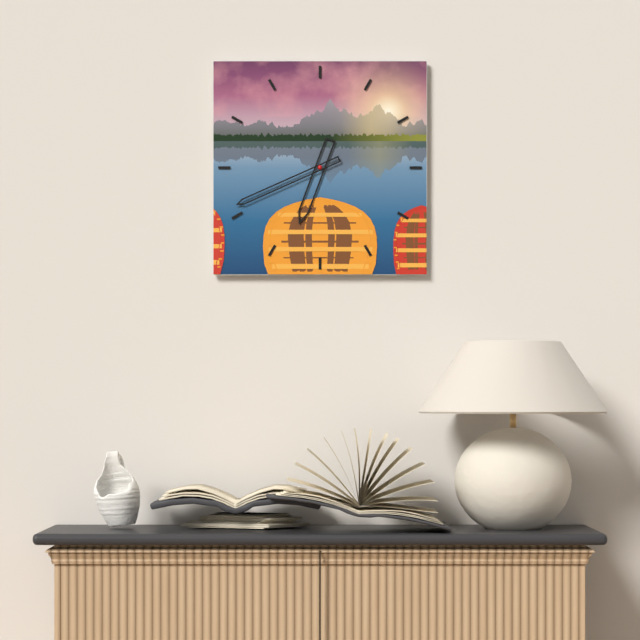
h=6 m=41
